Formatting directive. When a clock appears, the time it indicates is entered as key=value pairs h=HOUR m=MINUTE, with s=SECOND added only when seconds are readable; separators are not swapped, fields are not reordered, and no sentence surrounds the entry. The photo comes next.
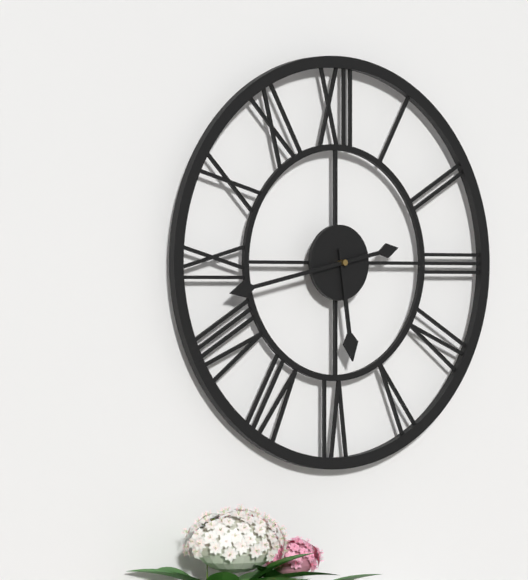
h=5 m=43
